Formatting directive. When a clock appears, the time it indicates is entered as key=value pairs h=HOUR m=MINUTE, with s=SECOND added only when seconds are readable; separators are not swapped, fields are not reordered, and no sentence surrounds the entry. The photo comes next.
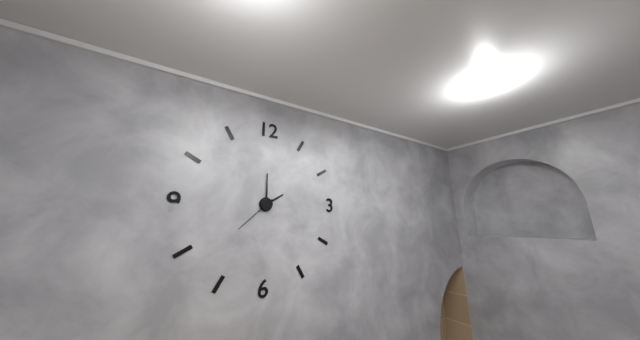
h=2 m=0
